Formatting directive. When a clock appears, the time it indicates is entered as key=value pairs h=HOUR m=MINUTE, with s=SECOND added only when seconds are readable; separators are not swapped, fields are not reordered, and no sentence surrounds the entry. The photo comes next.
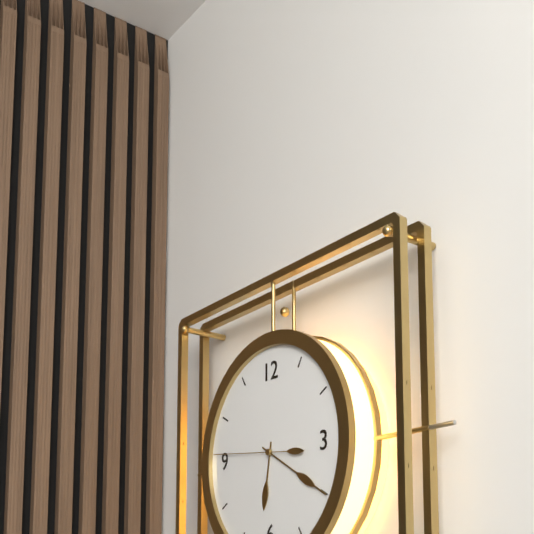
h=6 m=20 s=46
